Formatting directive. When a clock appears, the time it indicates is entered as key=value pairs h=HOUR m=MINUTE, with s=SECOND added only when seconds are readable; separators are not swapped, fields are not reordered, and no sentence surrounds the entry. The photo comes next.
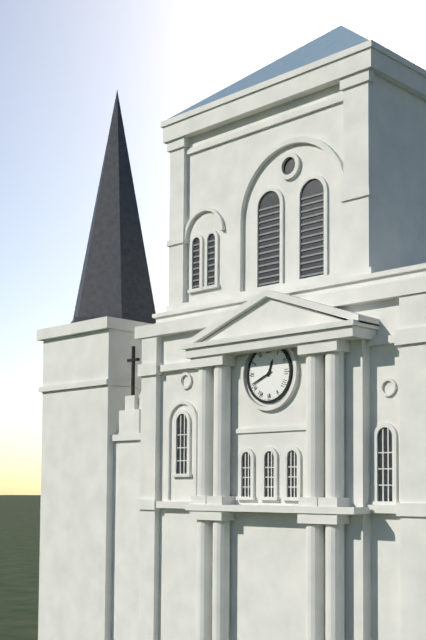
h=12 m=41
